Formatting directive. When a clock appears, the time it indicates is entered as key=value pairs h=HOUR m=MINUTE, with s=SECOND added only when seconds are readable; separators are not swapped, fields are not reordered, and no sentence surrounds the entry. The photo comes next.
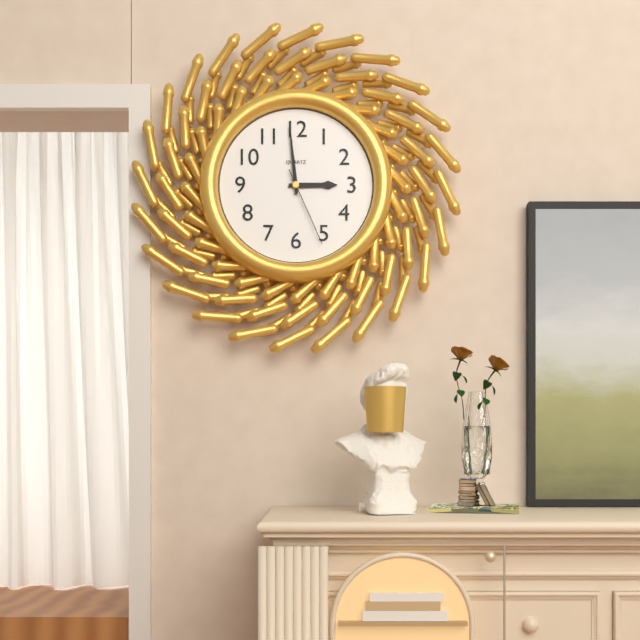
h=2 m=59 s=26
